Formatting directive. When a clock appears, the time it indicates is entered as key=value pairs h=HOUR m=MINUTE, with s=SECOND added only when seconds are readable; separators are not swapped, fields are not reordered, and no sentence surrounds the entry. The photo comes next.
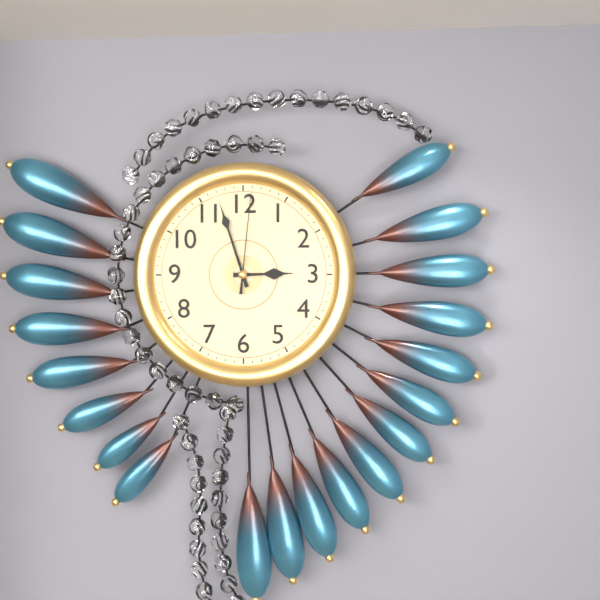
h=2 m=57 s=1
